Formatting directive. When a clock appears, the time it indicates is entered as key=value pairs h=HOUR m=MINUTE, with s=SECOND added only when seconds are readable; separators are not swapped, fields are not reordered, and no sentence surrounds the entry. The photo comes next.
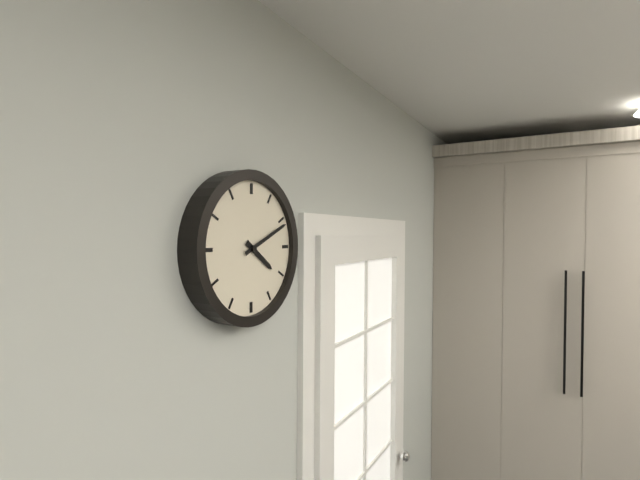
h=4 m=11
